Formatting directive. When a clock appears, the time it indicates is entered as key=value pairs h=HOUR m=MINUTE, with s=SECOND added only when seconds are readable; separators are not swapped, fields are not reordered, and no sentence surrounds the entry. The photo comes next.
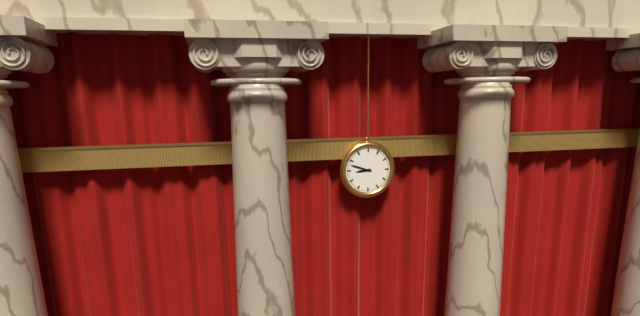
h=8 m=48
